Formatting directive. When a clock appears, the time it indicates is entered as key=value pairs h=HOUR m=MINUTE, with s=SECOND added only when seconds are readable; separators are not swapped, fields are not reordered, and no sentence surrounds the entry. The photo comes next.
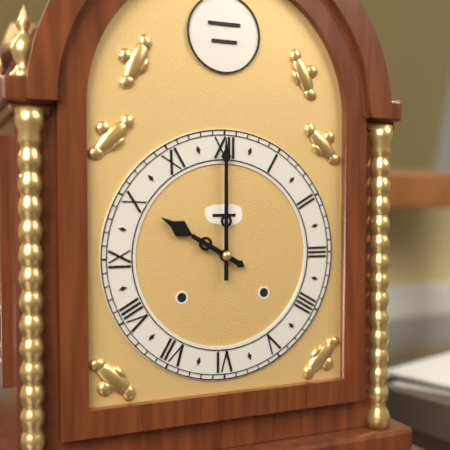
h=10 m=0
